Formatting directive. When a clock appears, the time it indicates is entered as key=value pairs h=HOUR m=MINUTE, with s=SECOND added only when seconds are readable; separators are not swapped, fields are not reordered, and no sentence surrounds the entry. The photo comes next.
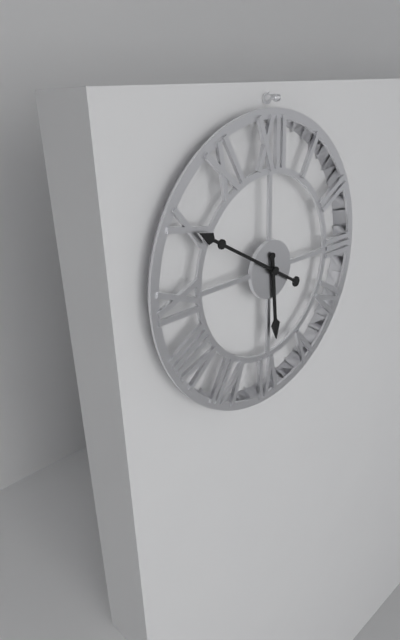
h=5 m=50
